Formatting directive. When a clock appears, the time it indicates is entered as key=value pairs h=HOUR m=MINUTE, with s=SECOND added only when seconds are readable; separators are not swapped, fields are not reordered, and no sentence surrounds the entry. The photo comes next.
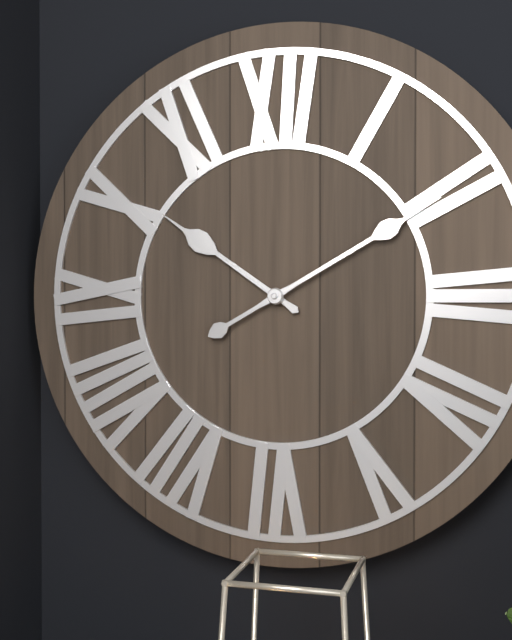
h=10 m=10
